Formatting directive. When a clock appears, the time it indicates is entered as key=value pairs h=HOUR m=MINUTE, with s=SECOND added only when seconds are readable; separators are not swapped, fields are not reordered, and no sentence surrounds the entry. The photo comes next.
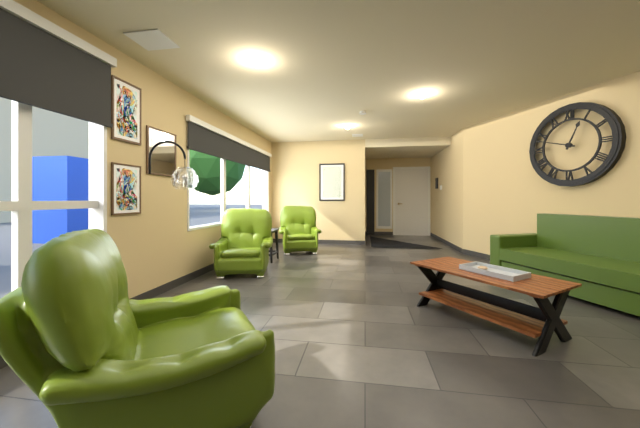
h=12 m=48
